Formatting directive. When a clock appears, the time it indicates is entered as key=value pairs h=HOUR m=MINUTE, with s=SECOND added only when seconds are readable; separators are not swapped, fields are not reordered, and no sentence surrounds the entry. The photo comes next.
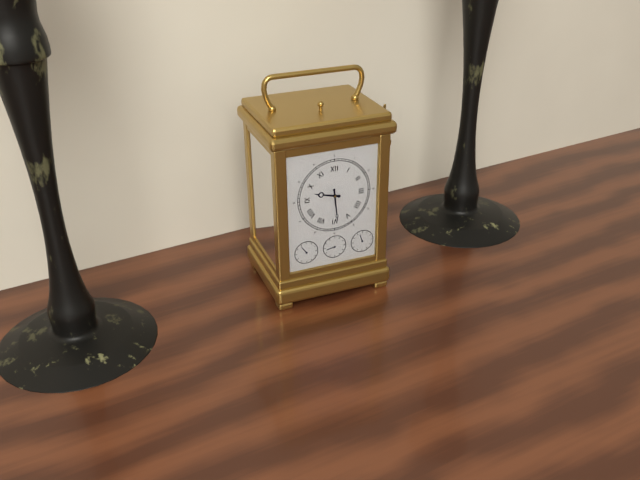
h=9 m=29
